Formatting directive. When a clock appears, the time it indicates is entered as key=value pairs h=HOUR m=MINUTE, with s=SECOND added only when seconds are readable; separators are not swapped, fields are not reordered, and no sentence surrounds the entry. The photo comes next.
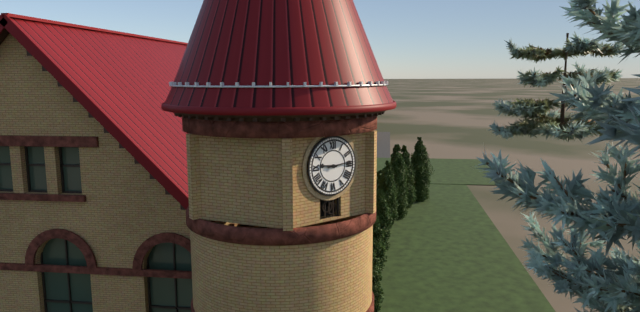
h=9 m=14
